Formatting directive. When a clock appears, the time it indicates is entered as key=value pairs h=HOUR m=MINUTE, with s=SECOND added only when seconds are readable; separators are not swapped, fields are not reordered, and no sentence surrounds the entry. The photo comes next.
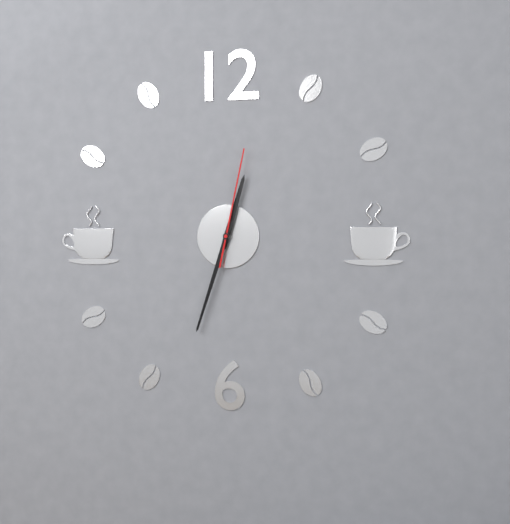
h=12 m=33 s=2
